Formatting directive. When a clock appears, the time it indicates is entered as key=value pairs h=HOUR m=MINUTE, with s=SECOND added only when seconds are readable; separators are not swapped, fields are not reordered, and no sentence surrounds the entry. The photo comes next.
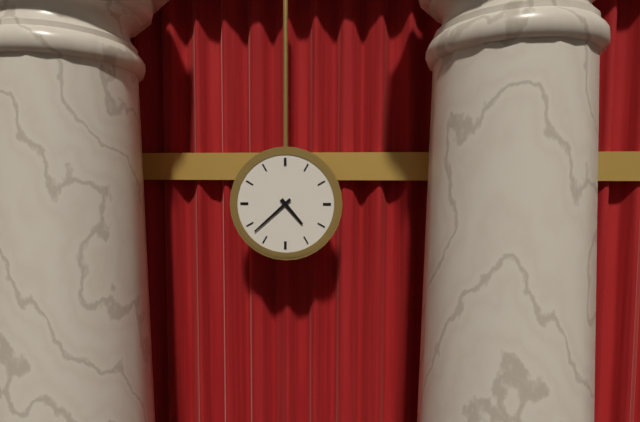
h=4 m=38
